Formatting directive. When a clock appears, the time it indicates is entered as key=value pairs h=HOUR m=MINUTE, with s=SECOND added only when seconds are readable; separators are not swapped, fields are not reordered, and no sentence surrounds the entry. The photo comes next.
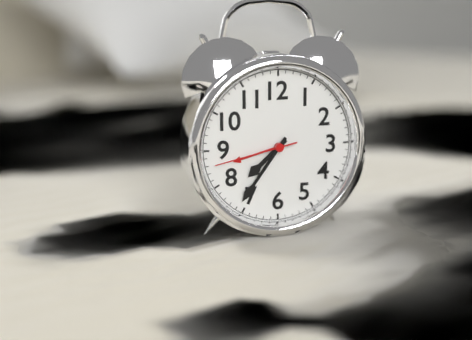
h=7 m=36 s=43
